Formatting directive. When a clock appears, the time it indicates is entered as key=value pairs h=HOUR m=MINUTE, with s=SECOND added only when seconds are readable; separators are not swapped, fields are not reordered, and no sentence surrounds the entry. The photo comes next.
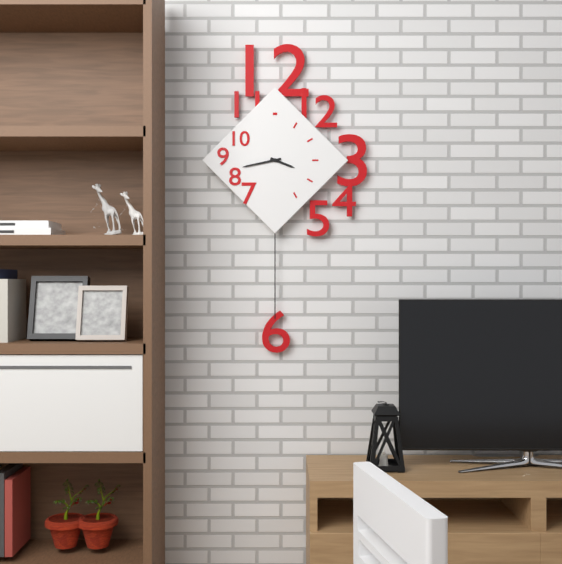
h=3 m=43
